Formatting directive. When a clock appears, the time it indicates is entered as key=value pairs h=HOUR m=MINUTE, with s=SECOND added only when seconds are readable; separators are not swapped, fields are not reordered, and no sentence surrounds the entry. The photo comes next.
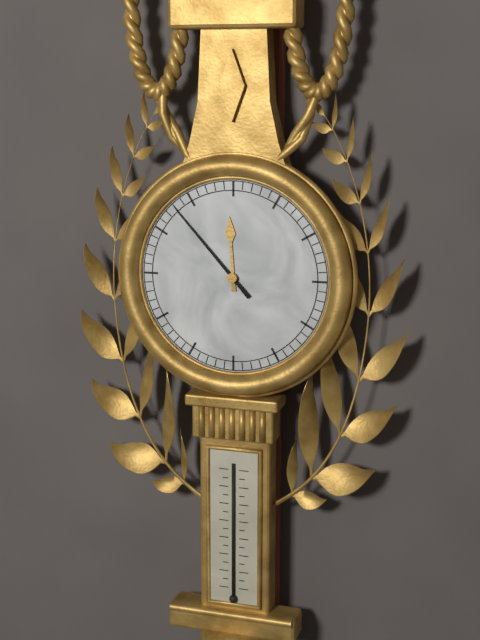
h=11 m=53
